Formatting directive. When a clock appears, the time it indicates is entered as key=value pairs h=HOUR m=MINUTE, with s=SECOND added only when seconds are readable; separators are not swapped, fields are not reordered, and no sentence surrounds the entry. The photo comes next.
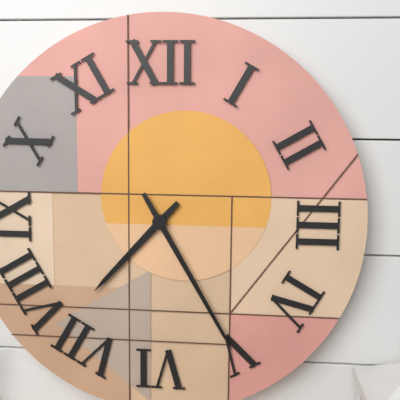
h=7 m=25
